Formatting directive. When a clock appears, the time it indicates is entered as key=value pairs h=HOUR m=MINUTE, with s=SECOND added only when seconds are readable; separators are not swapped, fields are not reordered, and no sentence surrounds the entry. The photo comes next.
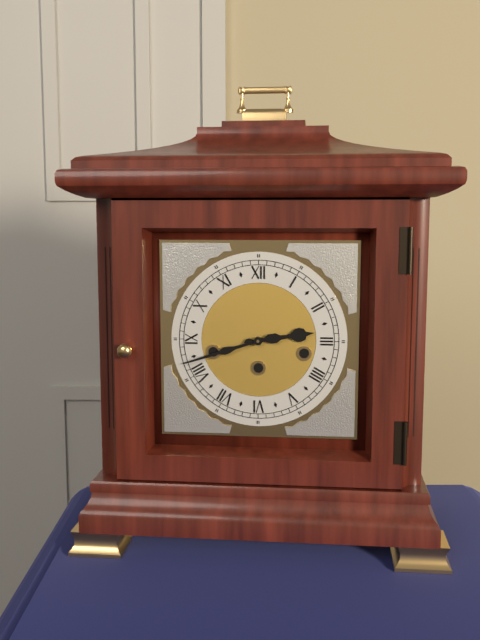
h=2 m=42
